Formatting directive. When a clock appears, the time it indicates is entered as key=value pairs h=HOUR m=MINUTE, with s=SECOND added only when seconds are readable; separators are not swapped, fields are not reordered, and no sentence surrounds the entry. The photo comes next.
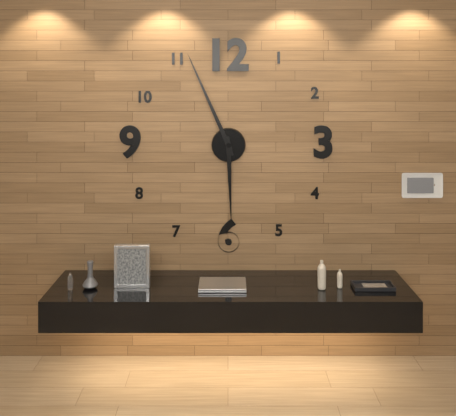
h=5 m=56
